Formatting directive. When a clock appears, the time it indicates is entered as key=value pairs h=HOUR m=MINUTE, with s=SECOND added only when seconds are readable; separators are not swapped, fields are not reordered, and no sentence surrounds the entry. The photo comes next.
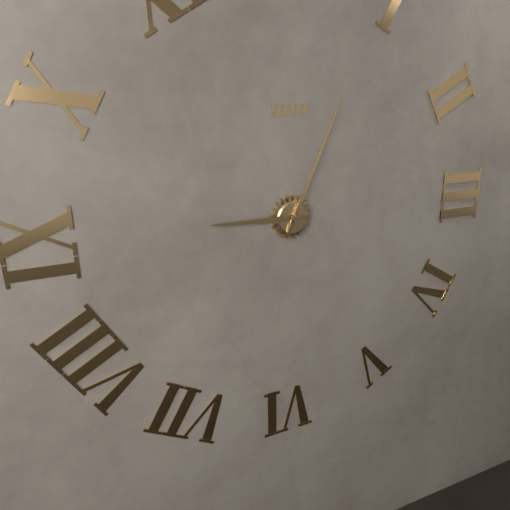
h=9 m=4
